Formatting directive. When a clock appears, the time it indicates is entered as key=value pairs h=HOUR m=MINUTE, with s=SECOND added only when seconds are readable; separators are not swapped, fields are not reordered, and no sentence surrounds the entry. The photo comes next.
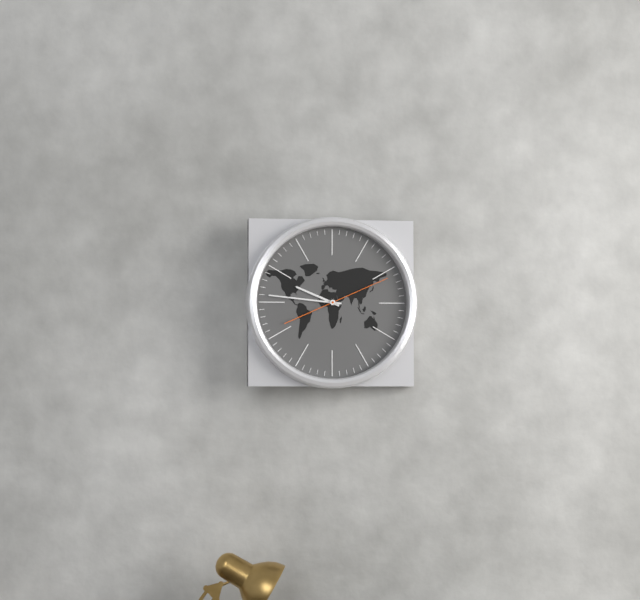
h=9 m=46 s=11
